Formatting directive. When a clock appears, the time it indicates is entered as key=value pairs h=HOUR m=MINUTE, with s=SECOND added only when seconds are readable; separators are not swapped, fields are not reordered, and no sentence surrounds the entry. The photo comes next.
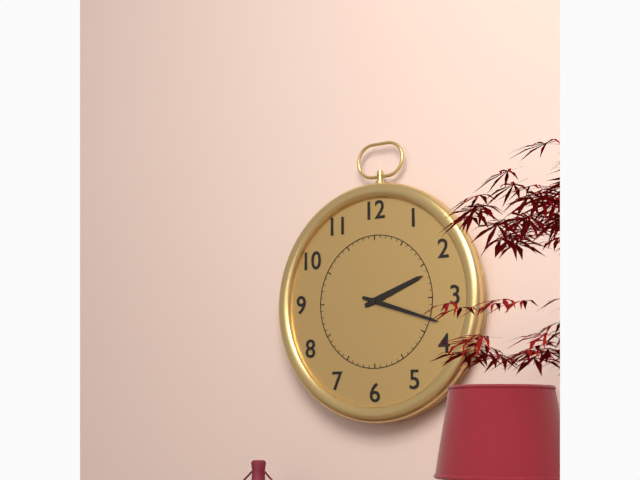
h=2 m=18
